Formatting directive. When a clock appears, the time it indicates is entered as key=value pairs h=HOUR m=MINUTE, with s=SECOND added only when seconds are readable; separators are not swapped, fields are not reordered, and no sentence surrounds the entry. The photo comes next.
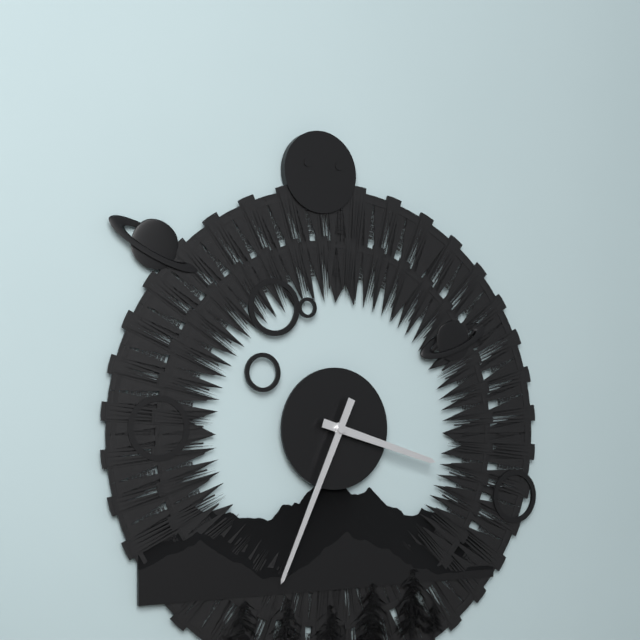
h=3 m=34
